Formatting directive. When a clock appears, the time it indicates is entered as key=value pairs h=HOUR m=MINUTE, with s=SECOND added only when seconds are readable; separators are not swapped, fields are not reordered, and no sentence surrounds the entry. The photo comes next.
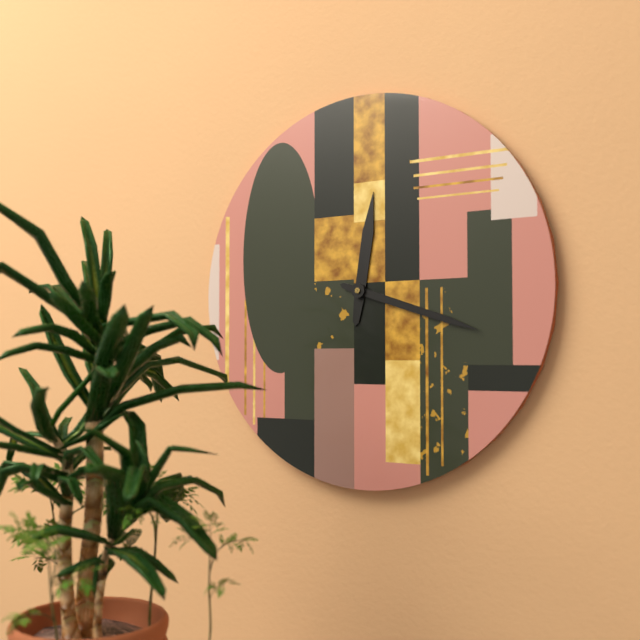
h=12 m=18
